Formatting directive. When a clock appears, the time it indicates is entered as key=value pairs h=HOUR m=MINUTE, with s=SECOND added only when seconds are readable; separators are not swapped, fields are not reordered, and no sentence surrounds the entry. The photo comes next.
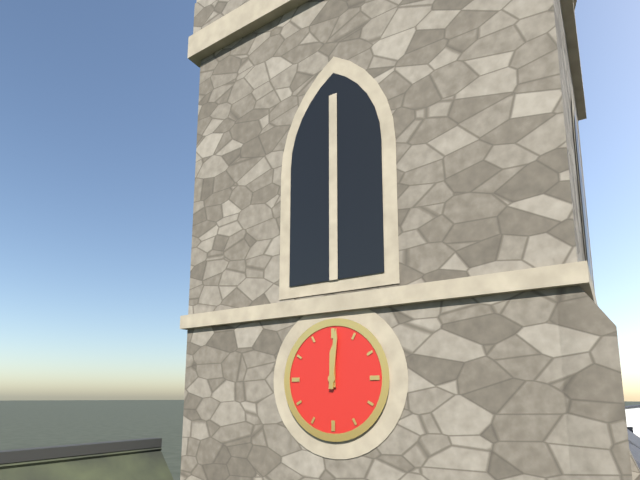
h=12 m=1
